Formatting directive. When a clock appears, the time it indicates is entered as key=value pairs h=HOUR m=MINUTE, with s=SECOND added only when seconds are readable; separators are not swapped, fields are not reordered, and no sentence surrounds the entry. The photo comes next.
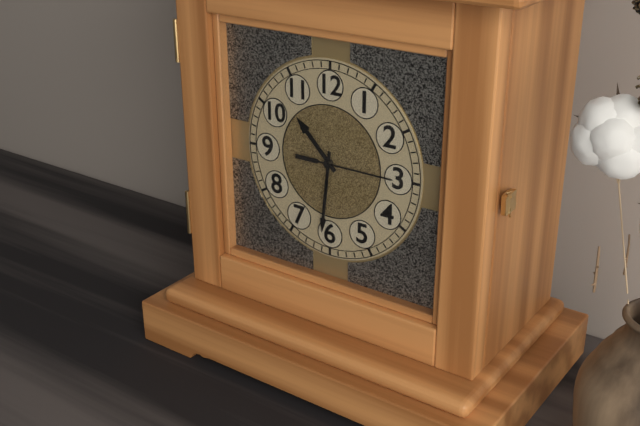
h=10 m=31 s=15
